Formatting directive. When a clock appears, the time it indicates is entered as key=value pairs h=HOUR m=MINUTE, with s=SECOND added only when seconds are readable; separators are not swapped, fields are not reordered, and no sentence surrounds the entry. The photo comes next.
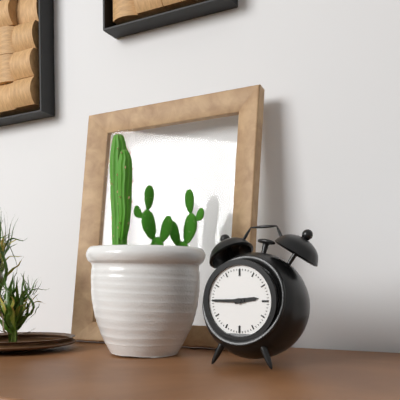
h=2 m=45
